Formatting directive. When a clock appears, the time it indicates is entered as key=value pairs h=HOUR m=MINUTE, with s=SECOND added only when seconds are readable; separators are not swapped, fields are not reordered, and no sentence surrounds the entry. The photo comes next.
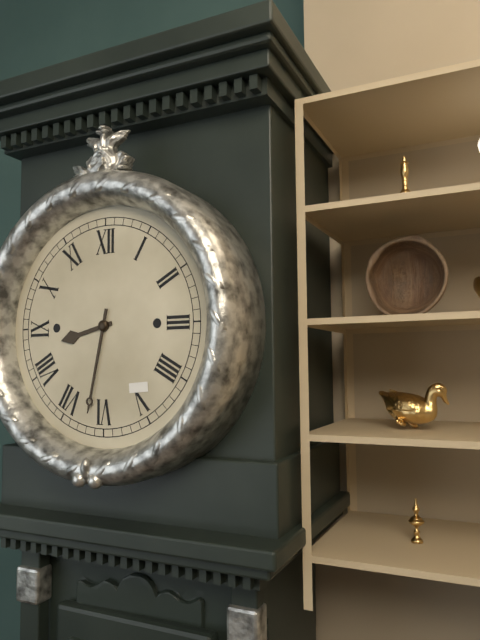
h=8 m=32
